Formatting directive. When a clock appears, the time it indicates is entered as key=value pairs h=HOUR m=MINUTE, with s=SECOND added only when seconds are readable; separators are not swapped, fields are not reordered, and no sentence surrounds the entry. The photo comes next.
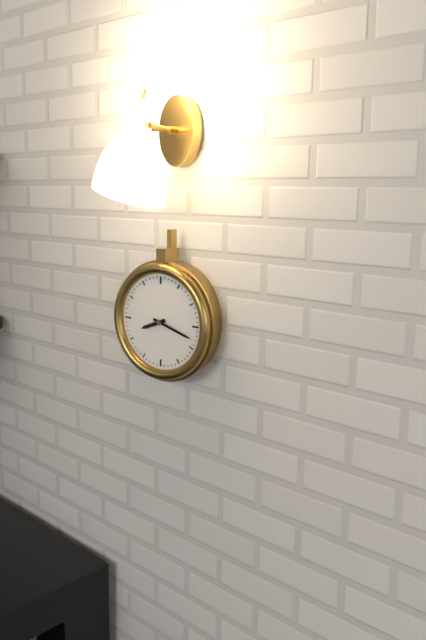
h=8 m=18
